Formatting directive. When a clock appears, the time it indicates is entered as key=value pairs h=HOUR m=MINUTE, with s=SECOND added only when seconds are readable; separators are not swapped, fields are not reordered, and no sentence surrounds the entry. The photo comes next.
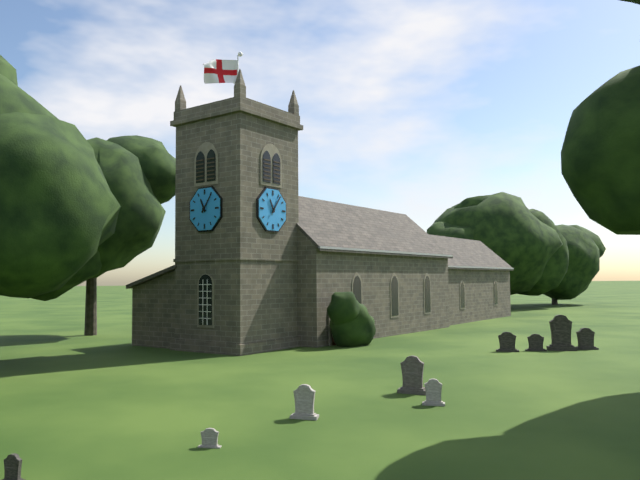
h=11 m=6
